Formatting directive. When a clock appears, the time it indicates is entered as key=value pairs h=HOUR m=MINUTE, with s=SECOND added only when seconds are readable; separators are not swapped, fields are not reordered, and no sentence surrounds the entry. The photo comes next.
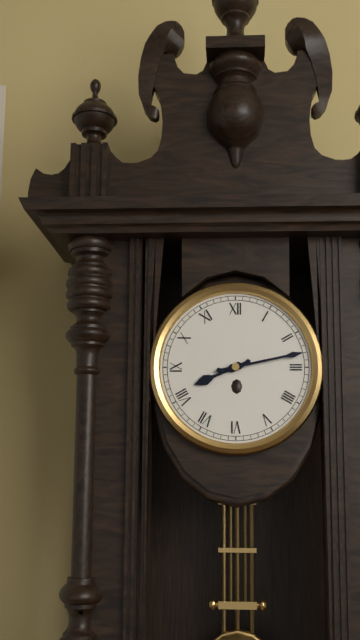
h=8 m=13
